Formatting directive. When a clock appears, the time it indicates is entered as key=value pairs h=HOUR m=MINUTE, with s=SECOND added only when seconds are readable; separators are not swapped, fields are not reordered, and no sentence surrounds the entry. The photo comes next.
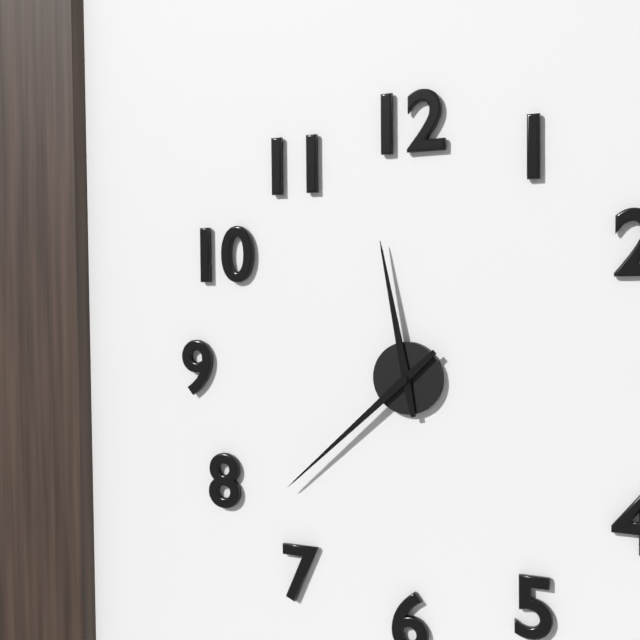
h=11 m=38
